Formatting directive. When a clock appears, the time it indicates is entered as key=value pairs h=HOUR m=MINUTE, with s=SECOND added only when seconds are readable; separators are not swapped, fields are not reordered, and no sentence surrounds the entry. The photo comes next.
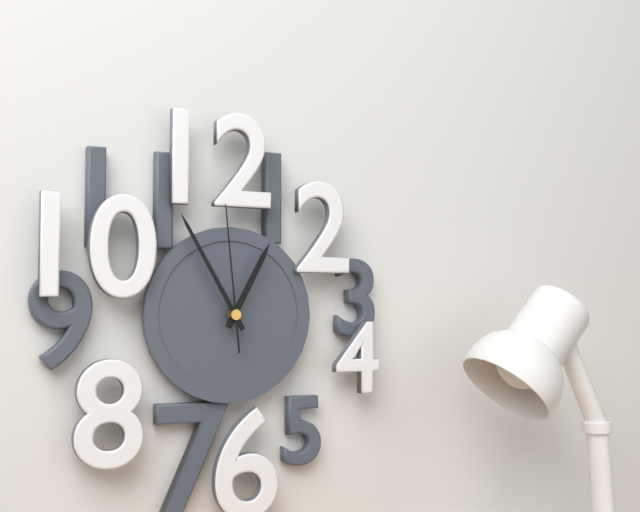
h=12 m=55 s=59
